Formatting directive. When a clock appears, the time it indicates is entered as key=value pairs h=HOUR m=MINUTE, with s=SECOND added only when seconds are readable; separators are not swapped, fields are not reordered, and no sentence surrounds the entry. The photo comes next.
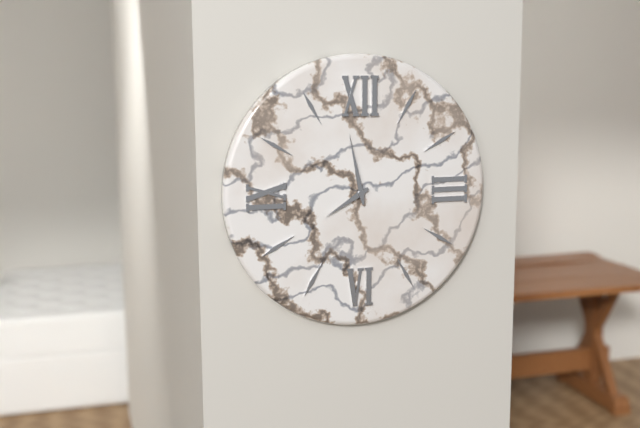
h=7 m=58
